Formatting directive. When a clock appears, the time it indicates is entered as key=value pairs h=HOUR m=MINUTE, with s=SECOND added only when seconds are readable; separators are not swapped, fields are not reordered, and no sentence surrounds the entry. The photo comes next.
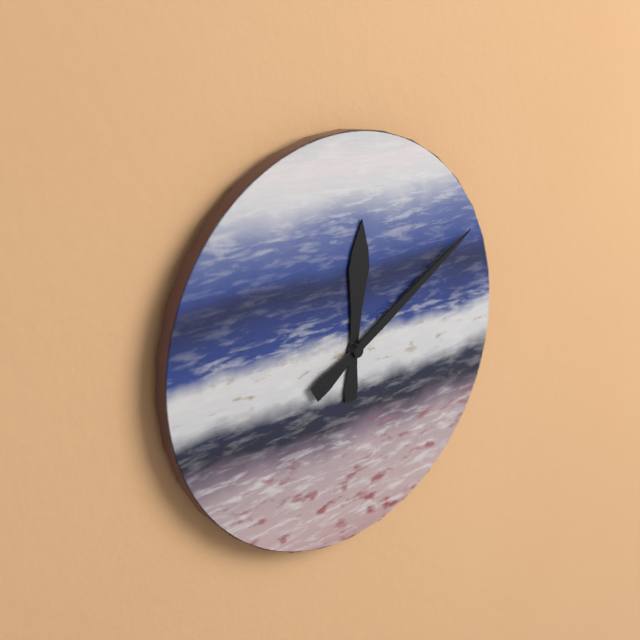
h=12 m=10
